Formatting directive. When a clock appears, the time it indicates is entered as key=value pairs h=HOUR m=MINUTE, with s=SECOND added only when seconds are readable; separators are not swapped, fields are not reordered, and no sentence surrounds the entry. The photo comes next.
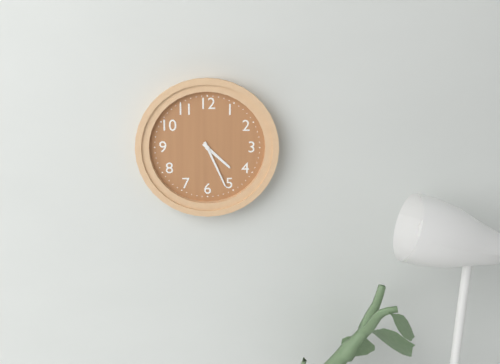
h=4 m=26
